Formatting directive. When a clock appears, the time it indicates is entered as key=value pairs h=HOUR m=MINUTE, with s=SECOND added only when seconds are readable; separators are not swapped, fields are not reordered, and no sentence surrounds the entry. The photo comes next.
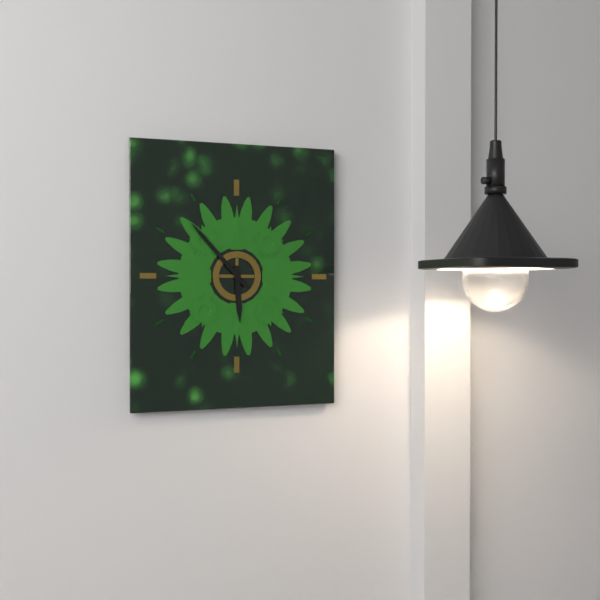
h=5 m=53
